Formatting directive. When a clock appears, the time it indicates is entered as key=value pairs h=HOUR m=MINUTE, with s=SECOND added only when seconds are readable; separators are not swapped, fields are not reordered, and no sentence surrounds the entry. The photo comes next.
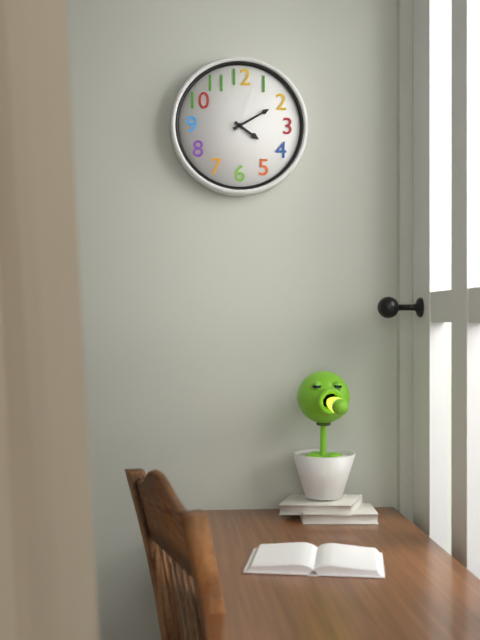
h=4 m=10 s=3
